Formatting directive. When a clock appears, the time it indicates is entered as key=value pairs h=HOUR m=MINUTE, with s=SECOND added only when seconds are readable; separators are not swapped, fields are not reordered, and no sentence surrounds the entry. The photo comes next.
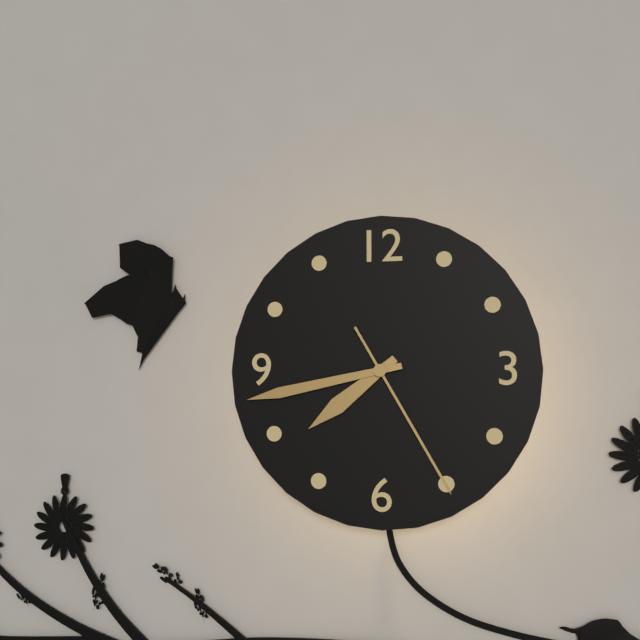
h=7 m=43 s=25
